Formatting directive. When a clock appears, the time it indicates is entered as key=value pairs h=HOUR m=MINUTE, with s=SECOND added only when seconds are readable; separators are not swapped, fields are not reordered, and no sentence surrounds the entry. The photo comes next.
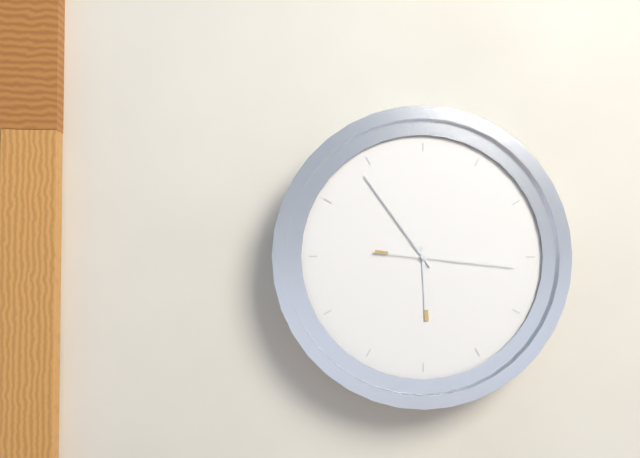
h=5 m=54 s=16
